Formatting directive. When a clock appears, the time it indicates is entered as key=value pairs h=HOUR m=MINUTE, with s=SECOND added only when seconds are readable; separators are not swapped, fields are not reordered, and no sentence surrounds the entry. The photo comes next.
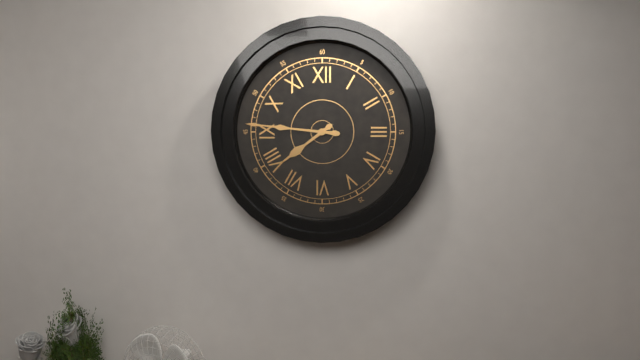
h=7 m=46
